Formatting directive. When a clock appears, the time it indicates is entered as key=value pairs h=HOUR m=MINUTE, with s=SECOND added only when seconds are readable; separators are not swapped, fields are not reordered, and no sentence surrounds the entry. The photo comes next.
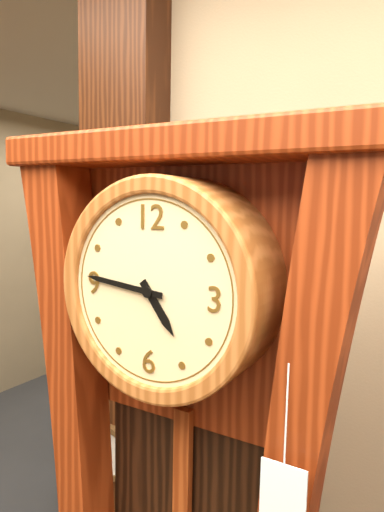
h=4 m=46
